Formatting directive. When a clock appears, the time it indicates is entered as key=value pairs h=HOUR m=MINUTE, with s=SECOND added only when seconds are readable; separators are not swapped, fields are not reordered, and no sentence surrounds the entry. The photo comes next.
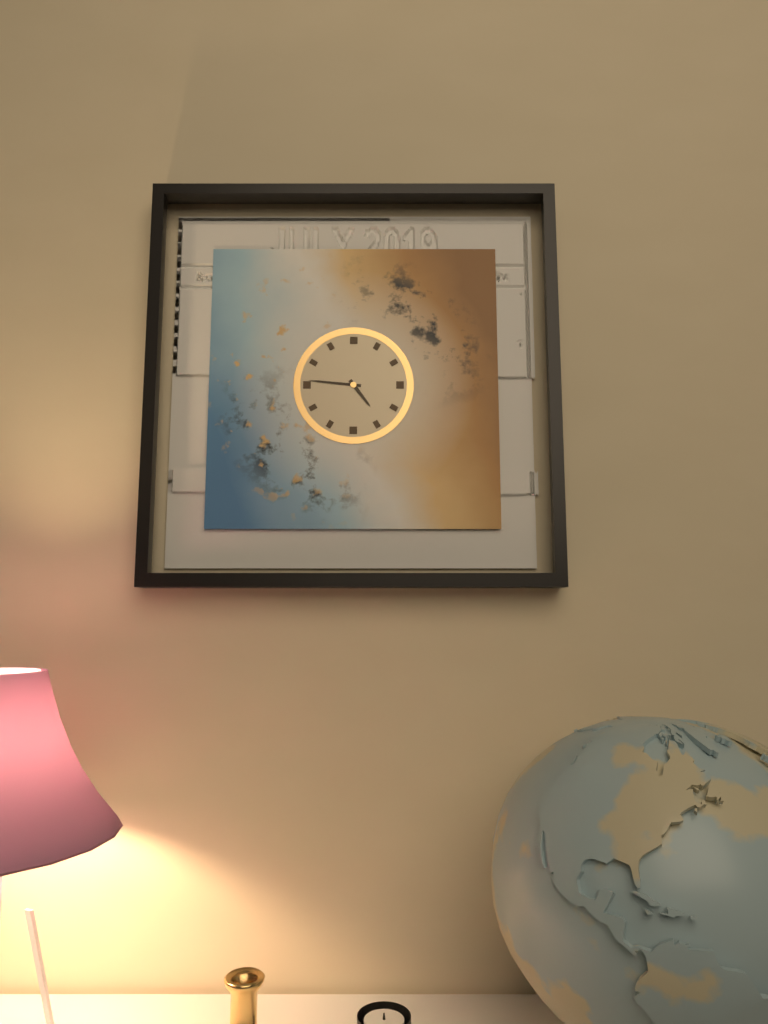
h=4 m=46
